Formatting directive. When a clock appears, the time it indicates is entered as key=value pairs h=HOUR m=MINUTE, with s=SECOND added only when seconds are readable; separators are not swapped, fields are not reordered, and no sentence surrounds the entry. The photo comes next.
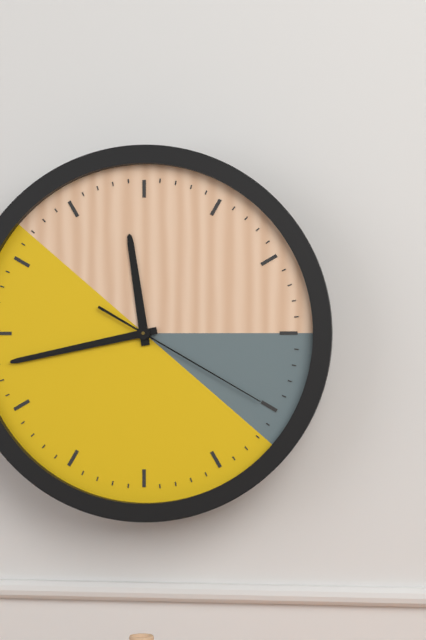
h=11 m=43 s=20
